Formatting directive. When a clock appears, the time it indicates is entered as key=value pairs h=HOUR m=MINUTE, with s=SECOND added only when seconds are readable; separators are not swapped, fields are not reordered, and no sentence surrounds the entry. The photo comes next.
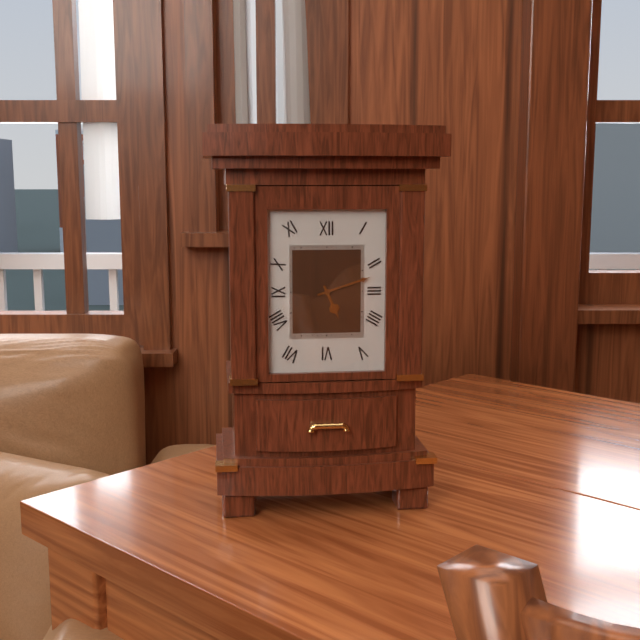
h=5 m=12
